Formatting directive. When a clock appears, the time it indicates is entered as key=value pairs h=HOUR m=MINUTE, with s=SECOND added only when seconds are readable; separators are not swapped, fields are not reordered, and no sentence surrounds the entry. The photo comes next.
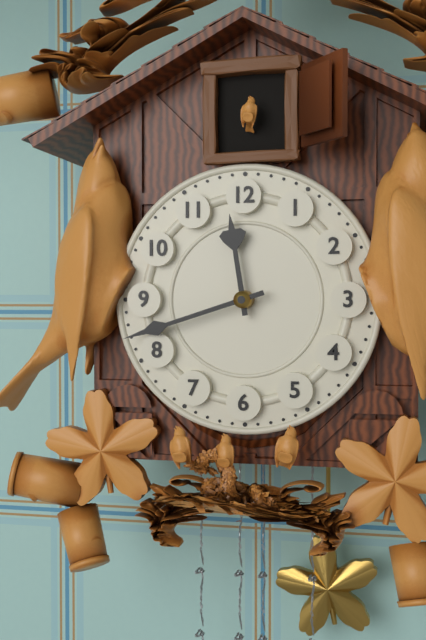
h=11 m=42
